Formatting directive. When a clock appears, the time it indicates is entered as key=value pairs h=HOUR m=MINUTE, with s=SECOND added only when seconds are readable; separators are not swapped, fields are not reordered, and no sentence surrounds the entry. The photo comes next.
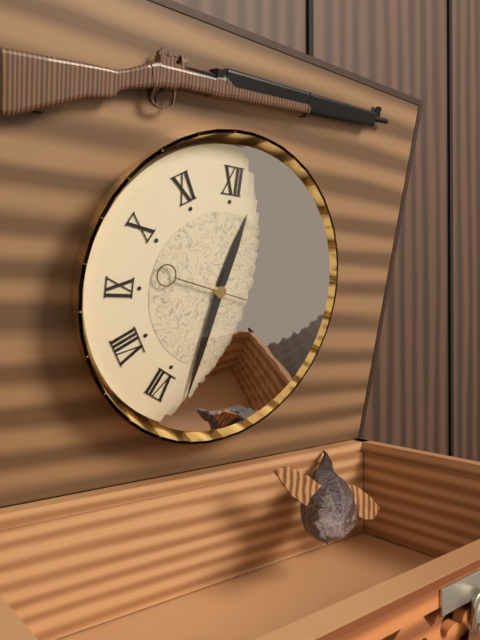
h=12 m=32 s=17
